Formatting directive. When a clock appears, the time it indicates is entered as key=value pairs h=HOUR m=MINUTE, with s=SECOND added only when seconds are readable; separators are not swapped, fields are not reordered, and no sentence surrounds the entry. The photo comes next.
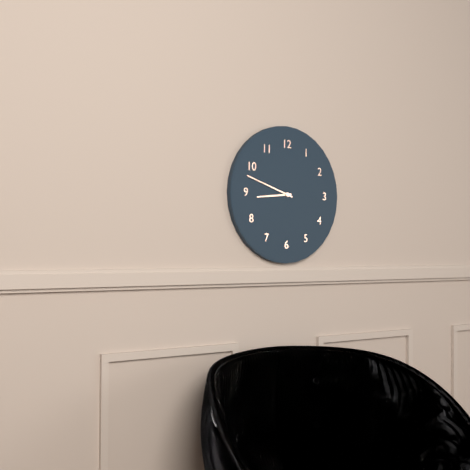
h=8 m=48
